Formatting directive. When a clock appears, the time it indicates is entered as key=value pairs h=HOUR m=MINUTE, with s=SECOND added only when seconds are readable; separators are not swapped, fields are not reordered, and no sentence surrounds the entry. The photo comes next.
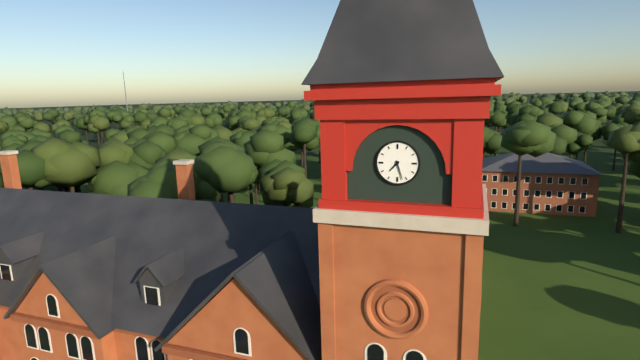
h=7 m=27
